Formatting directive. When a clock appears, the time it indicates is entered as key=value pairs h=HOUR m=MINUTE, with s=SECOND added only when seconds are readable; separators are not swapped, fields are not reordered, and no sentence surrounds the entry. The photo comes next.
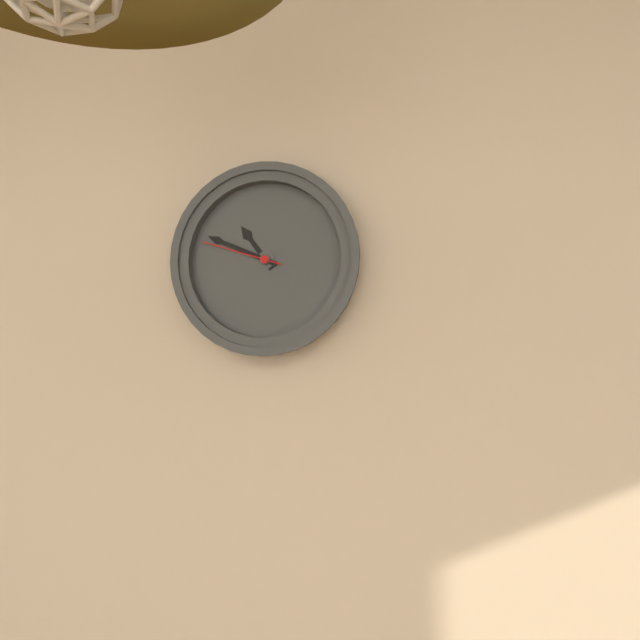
h=10 m=49 s=48
